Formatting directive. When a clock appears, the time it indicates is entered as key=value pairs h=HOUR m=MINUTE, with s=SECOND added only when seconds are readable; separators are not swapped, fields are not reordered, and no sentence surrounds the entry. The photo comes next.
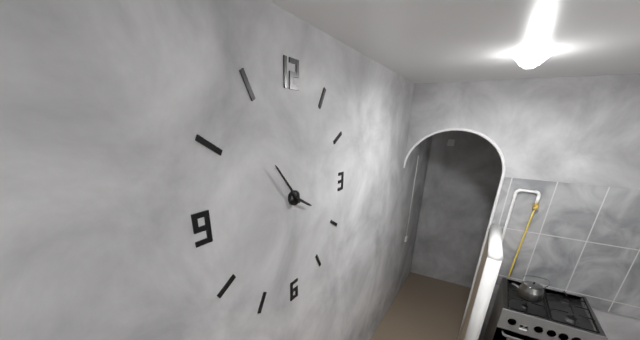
h=3 m=53
